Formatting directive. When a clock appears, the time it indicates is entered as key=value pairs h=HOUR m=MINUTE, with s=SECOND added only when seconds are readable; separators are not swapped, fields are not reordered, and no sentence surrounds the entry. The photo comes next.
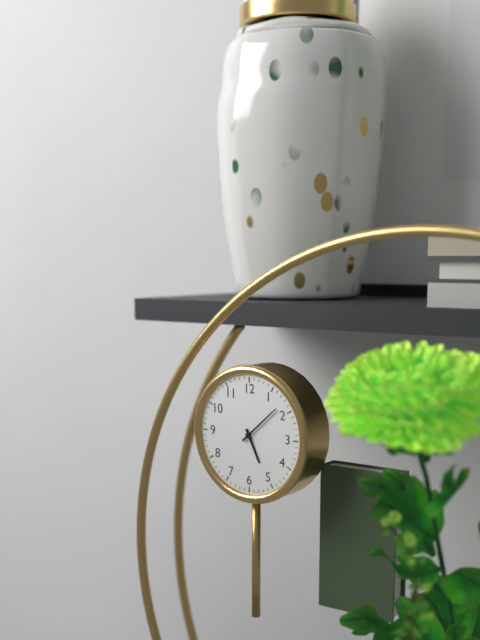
h=5 m=8
